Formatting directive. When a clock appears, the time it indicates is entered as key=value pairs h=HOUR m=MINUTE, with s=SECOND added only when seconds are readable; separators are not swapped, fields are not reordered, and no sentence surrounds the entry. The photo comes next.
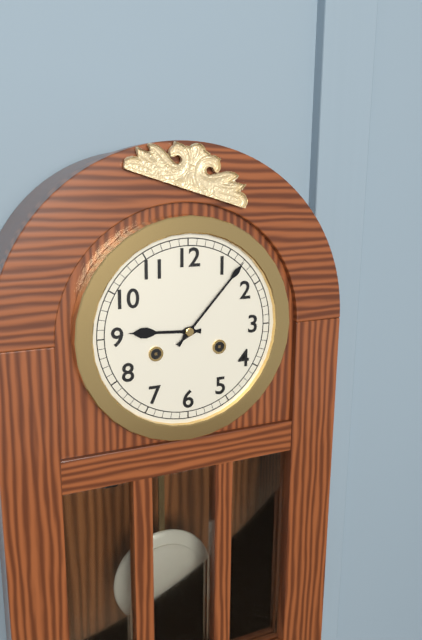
h=9 m=7
